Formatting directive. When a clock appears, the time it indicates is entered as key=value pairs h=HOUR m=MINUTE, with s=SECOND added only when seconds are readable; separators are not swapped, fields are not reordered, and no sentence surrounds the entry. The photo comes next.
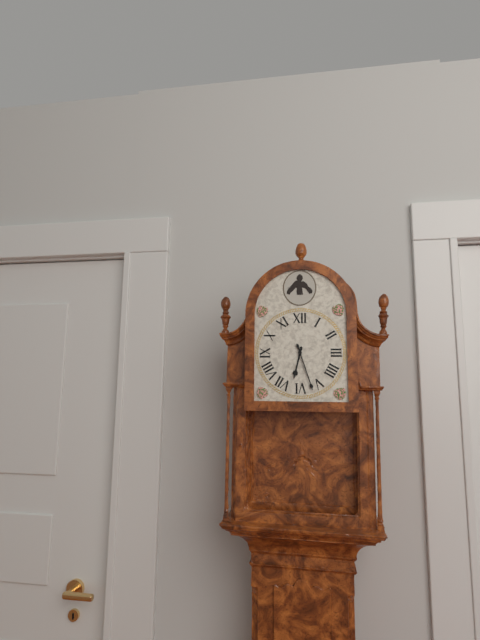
h=6 m=27
